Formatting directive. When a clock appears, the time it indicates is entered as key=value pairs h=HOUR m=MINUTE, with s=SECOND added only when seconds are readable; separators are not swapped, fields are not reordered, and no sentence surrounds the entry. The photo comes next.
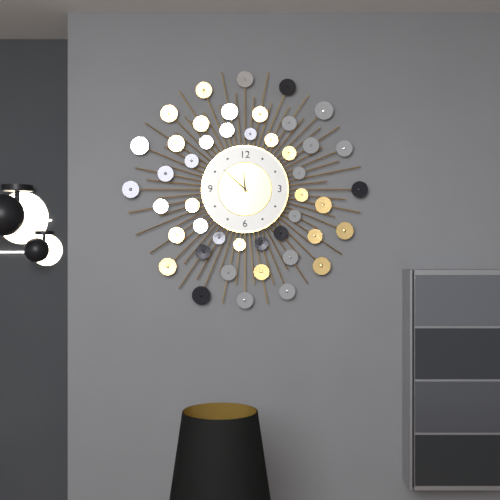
h=11 m=52
